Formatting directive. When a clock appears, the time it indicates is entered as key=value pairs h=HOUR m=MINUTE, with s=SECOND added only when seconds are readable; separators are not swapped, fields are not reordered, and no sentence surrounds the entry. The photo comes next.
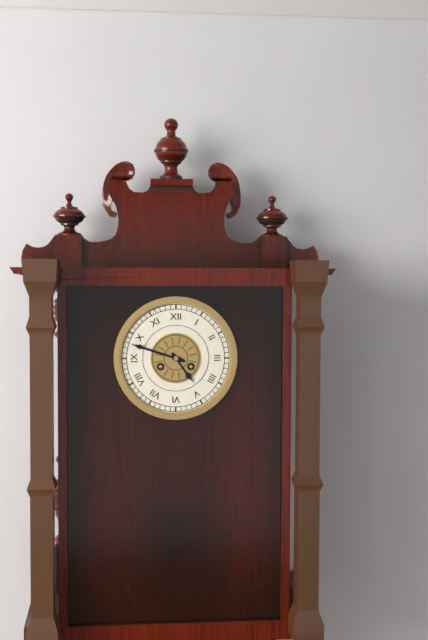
h=4 m=48
